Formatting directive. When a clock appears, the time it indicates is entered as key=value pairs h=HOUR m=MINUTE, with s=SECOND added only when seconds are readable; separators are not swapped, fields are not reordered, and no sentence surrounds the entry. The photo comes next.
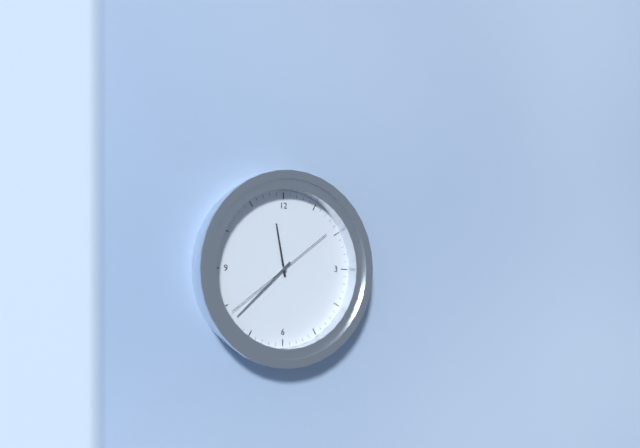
h=11 m=38 s=39
